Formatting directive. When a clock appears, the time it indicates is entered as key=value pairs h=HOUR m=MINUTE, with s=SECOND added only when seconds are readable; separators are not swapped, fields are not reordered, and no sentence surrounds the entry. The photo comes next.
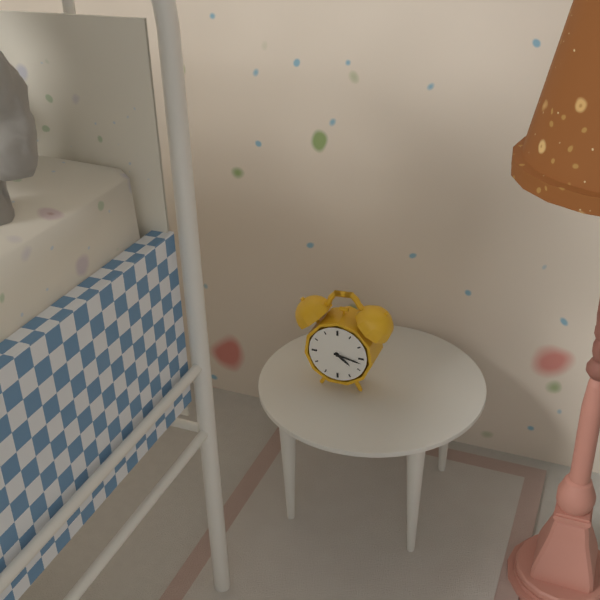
h=4 m=17
